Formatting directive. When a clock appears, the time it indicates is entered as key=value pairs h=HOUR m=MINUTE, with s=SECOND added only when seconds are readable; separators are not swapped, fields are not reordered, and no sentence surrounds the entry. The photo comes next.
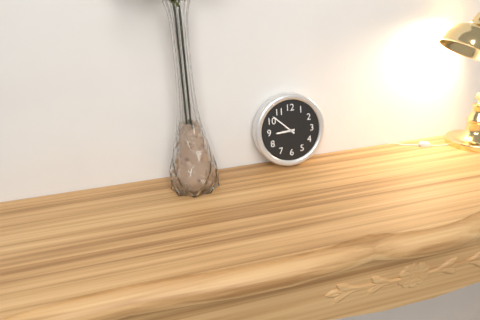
h=8 m=52
